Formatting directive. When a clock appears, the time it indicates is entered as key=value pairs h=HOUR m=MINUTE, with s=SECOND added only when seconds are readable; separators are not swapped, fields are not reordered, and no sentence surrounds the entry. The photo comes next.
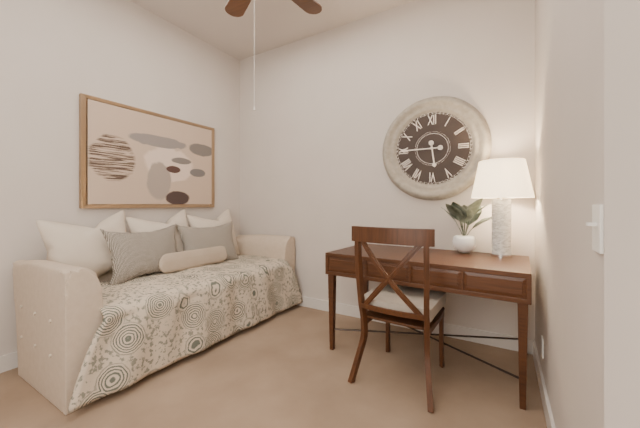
h=5 m=45
